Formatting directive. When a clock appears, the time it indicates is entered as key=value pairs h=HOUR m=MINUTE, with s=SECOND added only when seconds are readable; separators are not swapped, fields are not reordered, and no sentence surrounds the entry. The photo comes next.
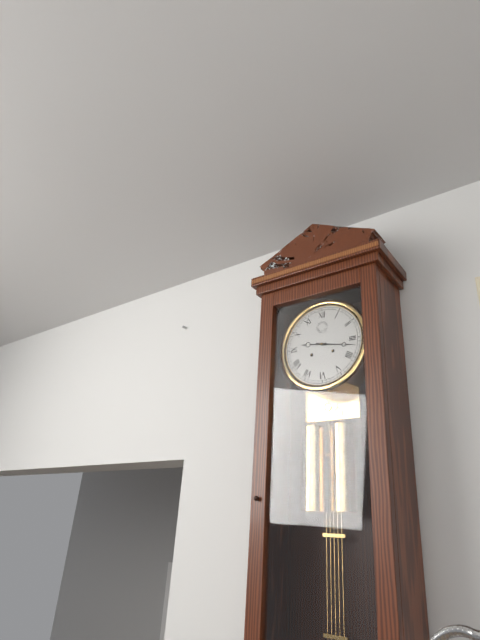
h=9 m=17
